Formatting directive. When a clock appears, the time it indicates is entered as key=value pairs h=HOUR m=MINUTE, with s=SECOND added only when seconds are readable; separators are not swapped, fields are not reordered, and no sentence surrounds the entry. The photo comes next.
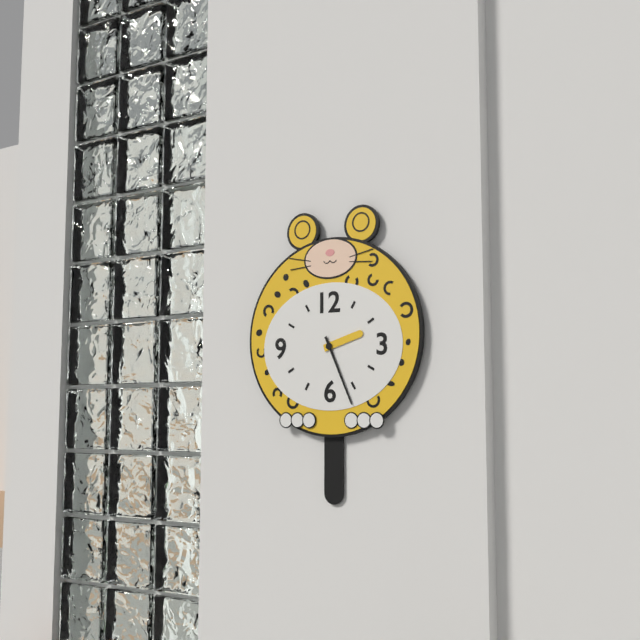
h=2 m=26
